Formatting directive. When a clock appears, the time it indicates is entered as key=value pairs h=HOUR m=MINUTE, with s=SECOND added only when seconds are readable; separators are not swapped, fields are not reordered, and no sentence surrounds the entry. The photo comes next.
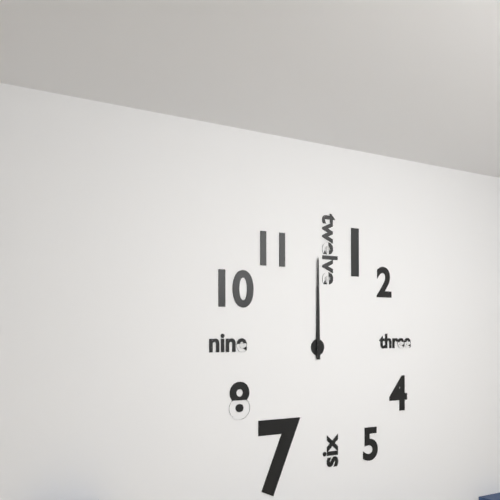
h=12 m=0
